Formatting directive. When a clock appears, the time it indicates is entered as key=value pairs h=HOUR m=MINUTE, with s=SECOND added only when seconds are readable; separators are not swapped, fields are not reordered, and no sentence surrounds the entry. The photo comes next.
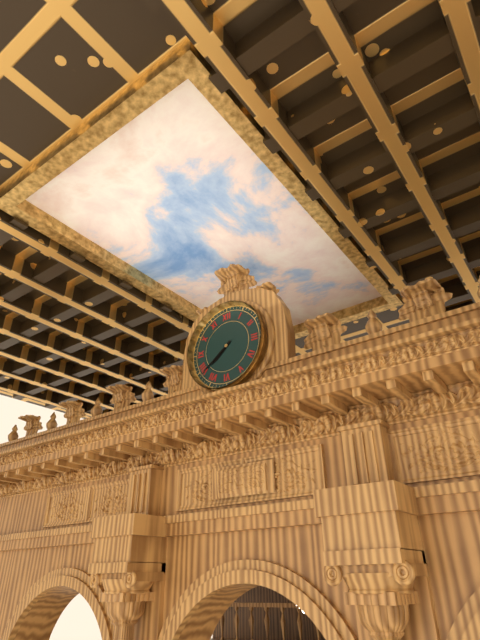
h=7 m=39
